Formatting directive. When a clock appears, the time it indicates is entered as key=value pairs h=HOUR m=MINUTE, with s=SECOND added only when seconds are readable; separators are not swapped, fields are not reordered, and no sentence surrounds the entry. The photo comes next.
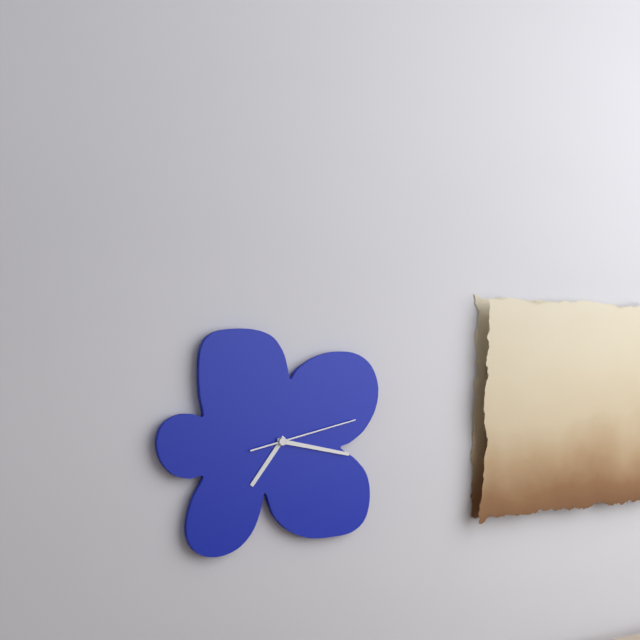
h=7 m=17 s=13
